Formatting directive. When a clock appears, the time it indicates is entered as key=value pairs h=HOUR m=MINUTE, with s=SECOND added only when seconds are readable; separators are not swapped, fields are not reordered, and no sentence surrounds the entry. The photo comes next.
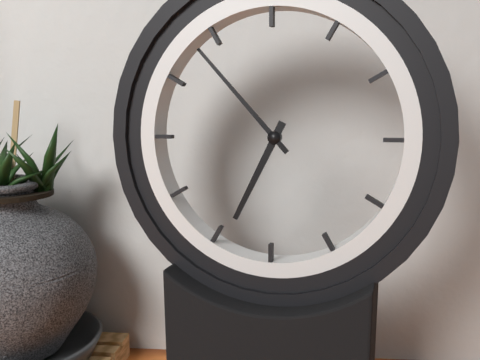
h=6 m=53
